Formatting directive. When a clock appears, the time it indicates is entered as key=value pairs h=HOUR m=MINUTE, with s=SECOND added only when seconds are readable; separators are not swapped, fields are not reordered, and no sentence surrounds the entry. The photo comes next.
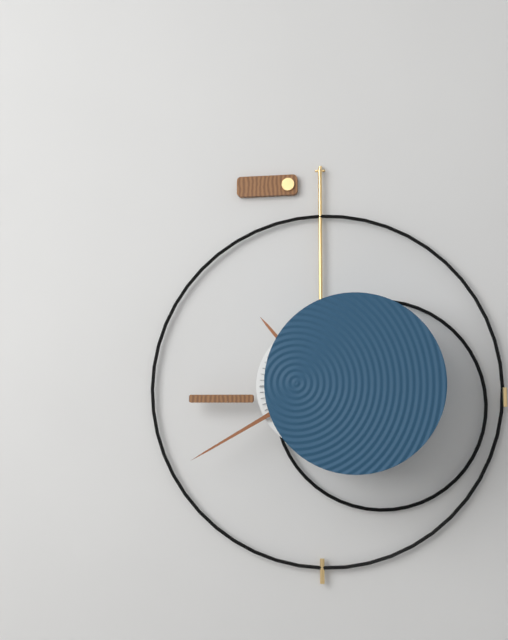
h=10 m=40
